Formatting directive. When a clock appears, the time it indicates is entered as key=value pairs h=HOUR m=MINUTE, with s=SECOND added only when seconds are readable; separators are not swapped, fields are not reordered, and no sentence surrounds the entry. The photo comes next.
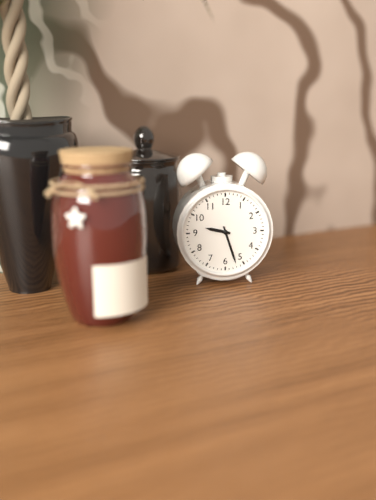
h=9 m=27
